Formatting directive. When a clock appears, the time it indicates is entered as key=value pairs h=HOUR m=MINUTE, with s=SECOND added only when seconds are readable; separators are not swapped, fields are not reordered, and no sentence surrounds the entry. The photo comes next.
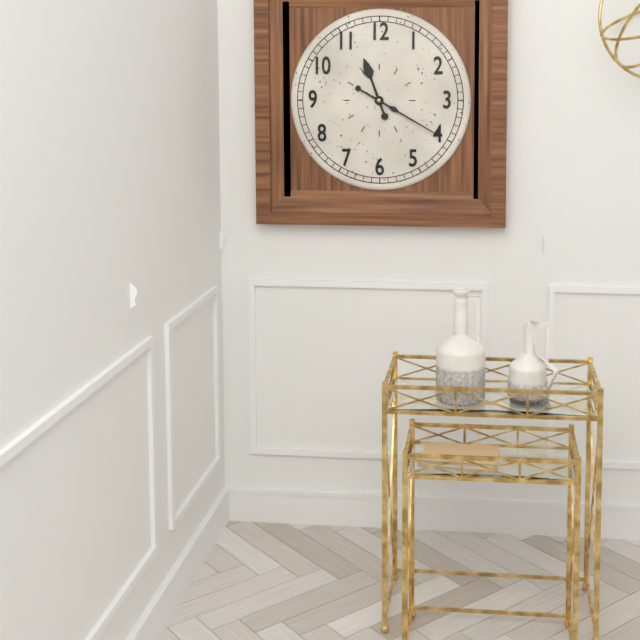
h=11 m=20
